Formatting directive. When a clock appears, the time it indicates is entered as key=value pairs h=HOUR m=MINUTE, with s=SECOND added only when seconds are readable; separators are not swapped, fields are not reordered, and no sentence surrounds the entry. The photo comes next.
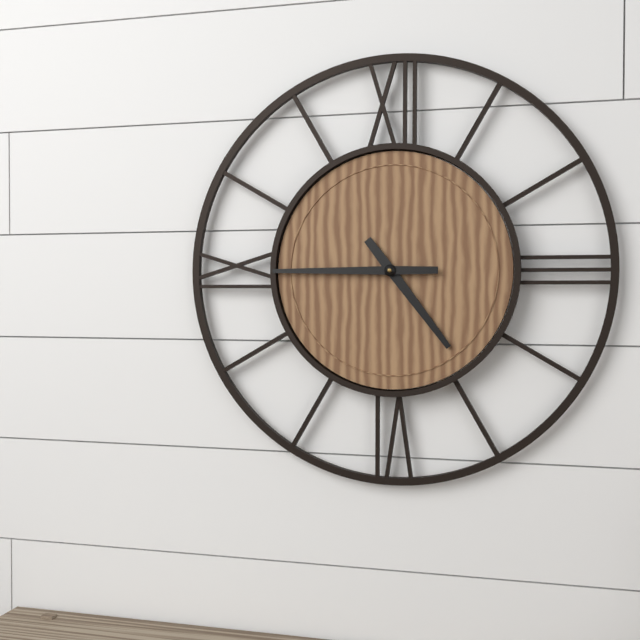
h=4 m=45
